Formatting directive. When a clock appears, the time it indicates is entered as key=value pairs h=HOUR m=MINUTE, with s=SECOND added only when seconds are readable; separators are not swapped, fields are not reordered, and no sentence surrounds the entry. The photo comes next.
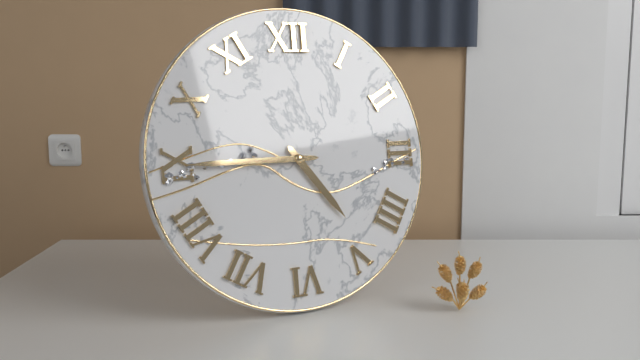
h=4 m=45
